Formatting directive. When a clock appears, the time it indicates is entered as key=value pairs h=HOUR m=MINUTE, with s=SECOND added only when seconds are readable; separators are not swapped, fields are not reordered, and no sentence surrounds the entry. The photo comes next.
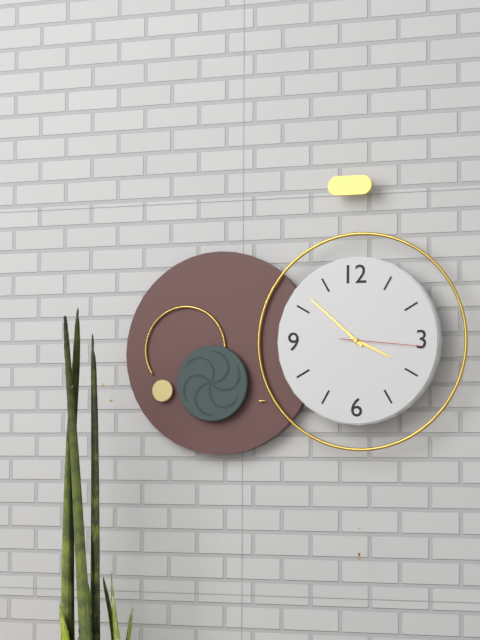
h=3 m=52 s=16
